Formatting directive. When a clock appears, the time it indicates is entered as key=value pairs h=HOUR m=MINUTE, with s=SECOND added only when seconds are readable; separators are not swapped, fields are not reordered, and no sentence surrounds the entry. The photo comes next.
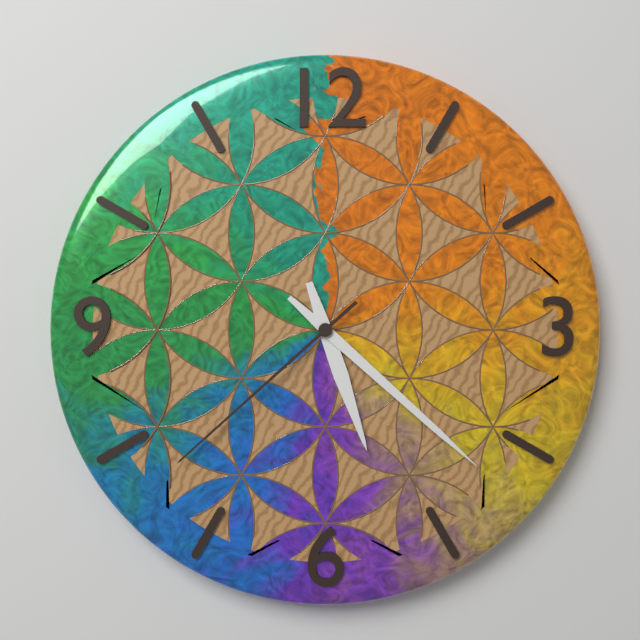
h=5 m=22 s=38
